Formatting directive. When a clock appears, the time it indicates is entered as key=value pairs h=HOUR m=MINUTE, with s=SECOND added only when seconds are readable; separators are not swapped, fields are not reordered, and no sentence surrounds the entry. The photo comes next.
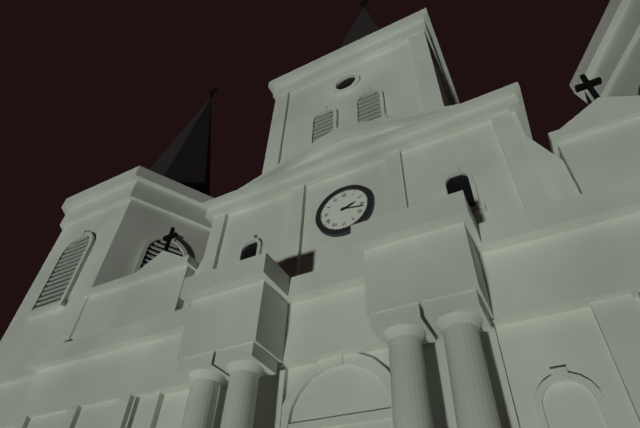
h=2 m=17
